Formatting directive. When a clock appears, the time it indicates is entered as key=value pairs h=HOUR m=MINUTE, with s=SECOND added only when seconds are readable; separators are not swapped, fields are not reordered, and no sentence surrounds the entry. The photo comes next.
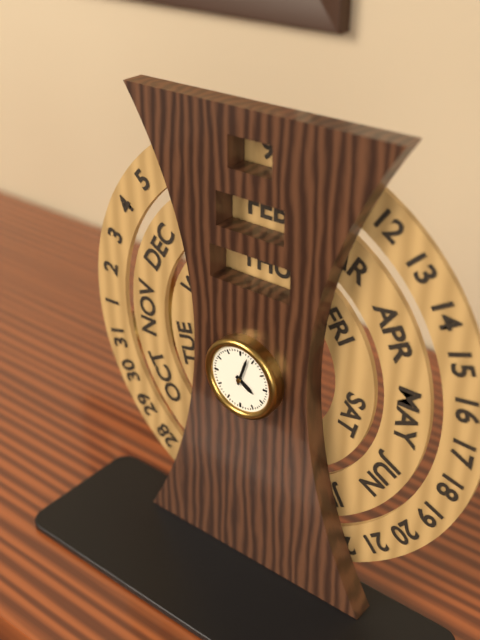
h=4 m=3
